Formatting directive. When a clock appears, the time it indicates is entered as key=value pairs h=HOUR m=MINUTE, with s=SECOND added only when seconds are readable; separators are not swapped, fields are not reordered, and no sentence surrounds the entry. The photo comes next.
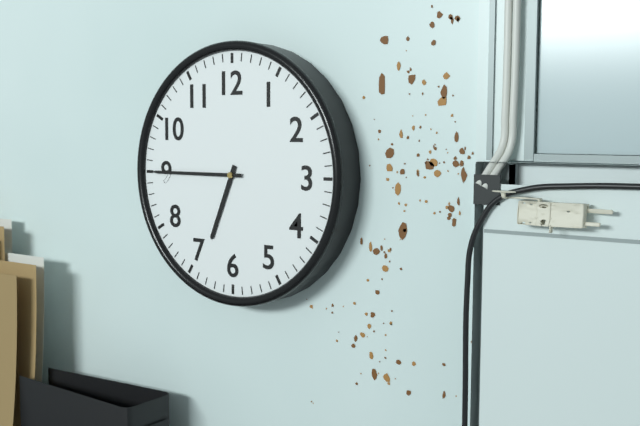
h=6 m=45
